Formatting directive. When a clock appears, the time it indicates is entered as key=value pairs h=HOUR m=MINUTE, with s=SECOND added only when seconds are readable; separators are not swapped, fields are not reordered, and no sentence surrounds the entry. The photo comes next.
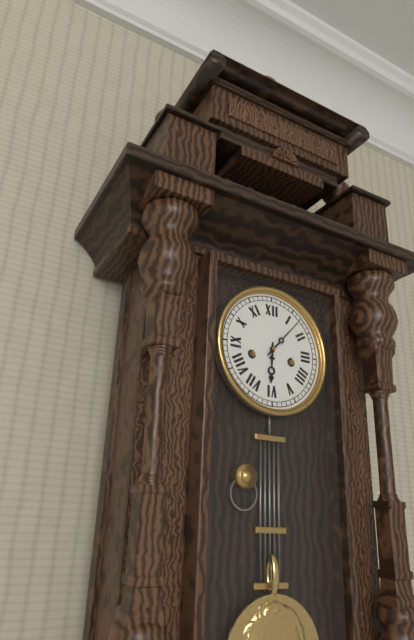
h=6 m=7
